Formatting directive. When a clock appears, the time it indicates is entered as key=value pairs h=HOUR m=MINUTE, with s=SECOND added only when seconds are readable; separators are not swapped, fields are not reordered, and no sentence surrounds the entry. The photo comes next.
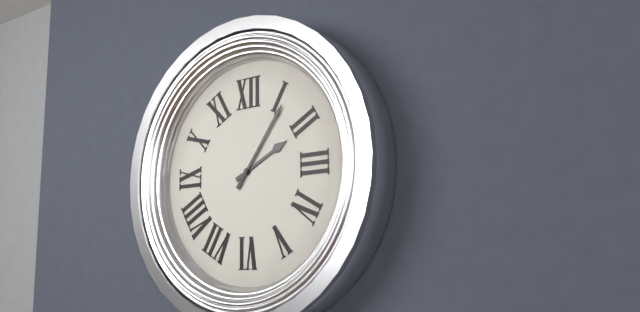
h=2 m=6
